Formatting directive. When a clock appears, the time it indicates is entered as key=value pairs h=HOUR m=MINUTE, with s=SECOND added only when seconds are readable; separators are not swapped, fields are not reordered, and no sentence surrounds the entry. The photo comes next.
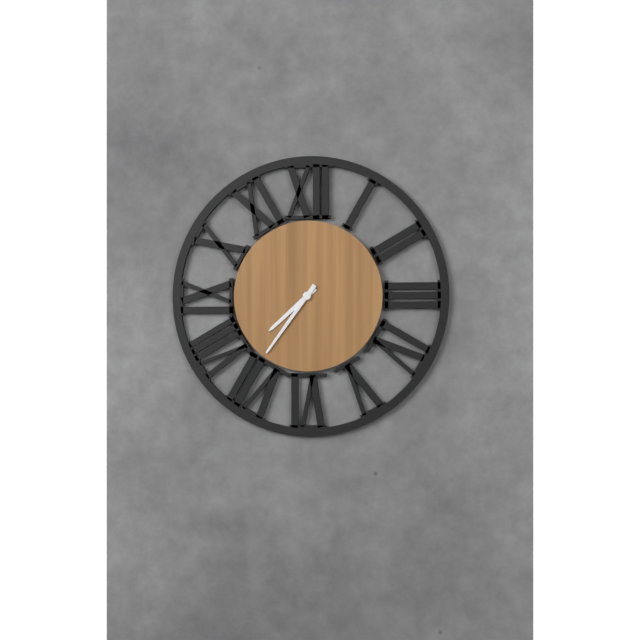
h=7 m=36
